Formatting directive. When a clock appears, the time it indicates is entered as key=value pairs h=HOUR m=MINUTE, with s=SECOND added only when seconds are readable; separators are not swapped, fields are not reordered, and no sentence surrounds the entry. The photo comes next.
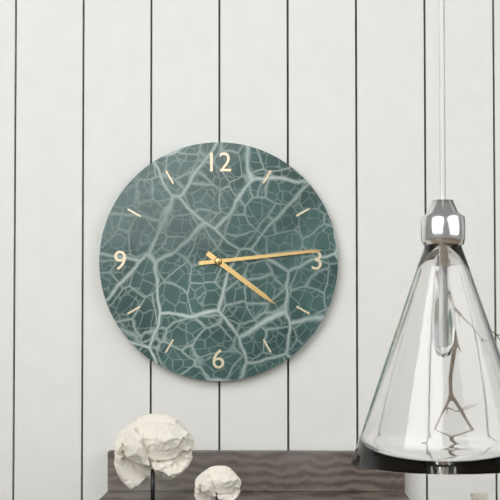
h=4 m=14
